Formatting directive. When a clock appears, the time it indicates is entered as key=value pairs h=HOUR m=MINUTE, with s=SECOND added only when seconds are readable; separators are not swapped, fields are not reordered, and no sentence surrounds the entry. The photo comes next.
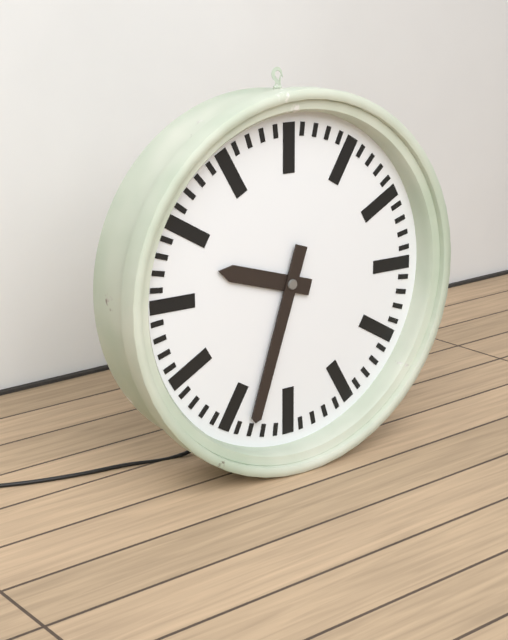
h=9 m=33
